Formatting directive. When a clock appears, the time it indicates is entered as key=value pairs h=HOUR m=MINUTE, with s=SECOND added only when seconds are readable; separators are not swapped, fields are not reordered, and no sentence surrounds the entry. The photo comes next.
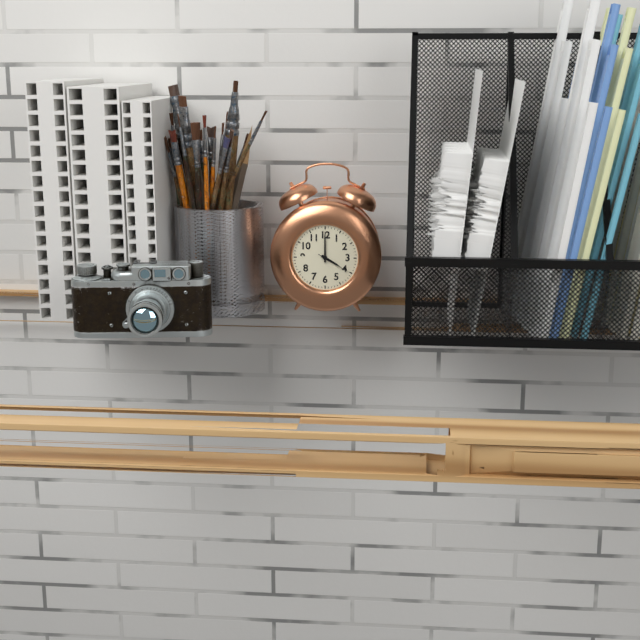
h=4 m=0
